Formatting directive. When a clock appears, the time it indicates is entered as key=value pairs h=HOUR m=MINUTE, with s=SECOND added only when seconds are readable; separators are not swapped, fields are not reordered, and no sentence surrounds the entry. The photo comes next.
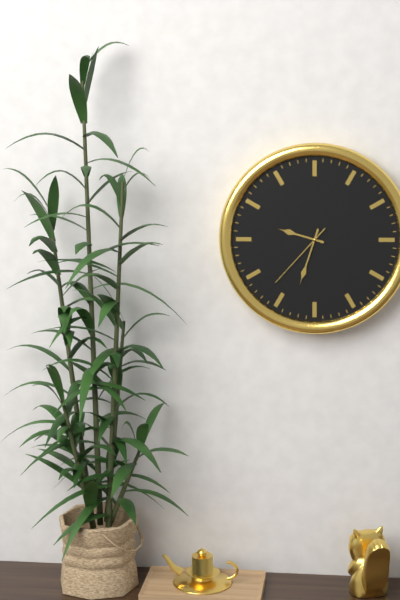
h=9 m=33 s=37
